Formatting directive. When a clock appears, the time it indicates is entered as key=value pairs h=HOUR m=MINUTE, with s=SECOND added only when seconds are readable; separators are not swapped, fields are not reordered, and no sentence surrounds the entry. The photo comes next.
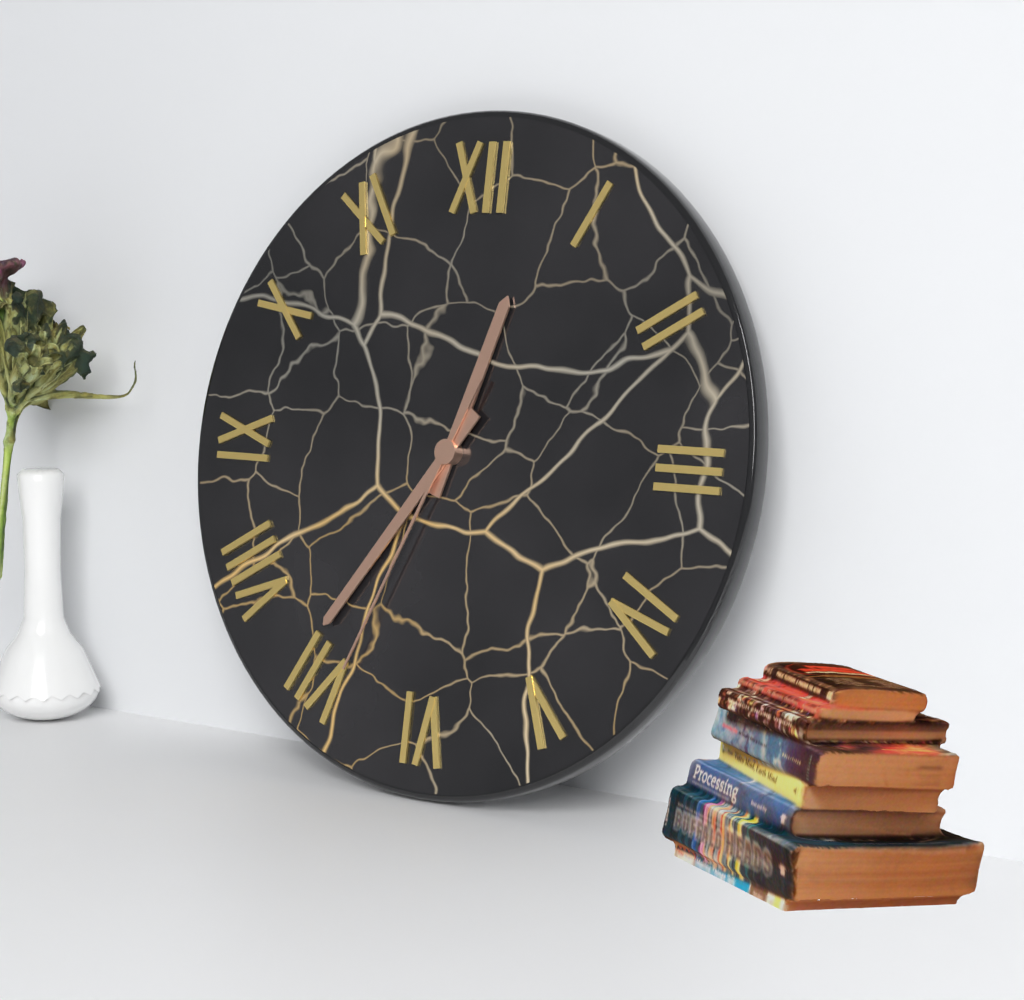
h=12 m=36 s=34
